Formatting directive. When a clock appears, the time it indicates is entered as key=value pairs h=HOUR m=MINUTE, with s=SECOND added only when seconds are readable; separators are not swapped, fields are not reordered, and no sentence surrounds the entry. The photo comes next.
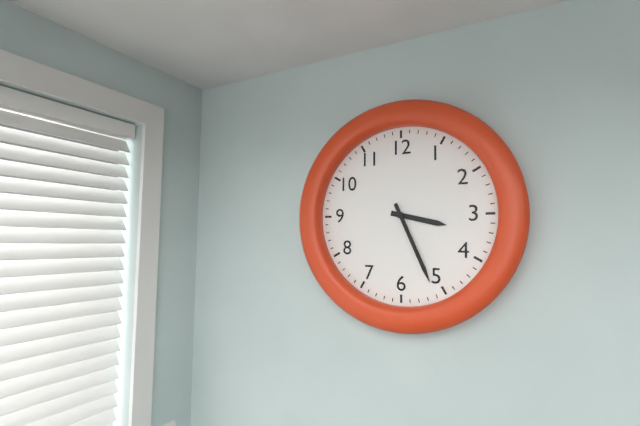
h=3 m=26
